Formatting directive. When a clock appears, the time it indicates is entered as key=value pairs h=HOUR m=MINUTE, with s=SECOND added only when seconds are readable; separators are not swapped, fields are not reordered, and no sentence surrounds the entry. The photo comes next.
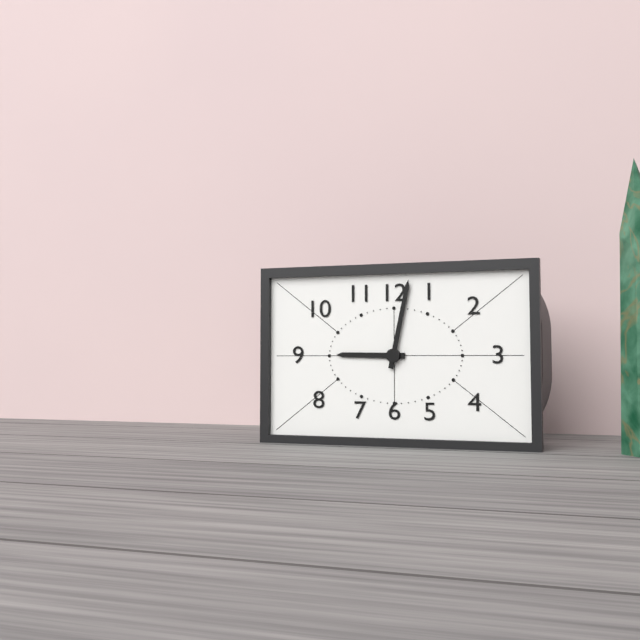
h=9 m=2
